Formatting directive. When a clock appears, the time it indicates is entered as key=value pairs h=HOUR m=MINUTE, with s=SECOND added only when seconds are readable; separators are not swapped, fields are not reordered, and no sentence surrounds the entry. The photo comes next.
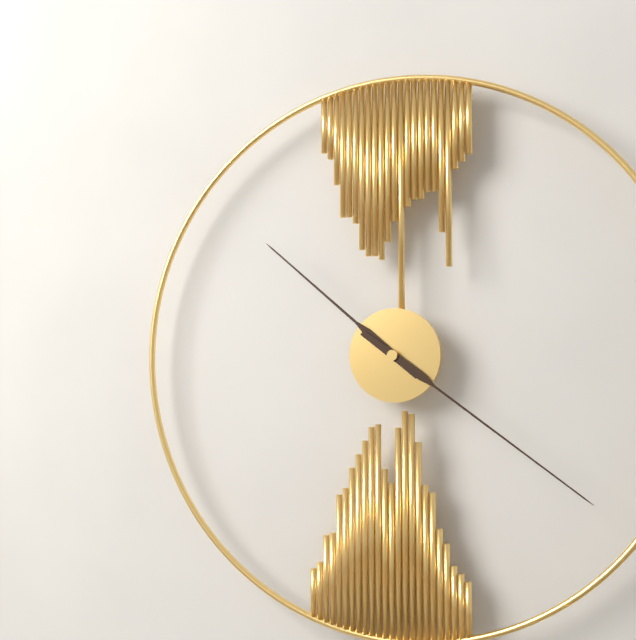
h=10 m=21
